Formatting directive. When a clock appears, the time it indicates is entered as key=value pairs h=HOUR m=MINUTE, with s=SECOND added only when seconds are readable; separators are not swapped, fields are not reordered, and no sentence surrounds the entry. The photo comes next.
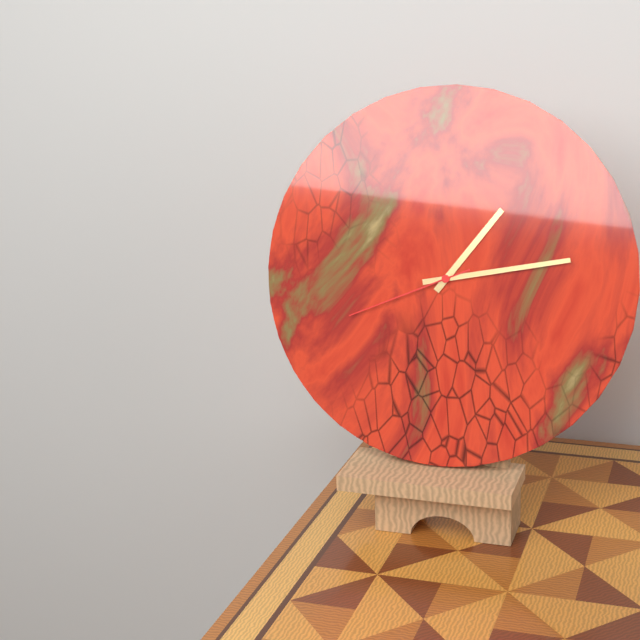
h=1 m=13 s=41
